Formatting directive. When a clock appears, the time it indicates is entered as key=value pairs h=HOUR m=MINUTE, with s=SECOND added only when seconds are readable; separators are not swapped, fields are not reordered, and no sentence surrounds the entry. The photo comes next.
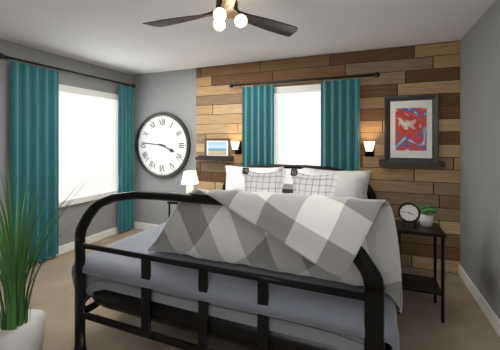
h=3 m=46
